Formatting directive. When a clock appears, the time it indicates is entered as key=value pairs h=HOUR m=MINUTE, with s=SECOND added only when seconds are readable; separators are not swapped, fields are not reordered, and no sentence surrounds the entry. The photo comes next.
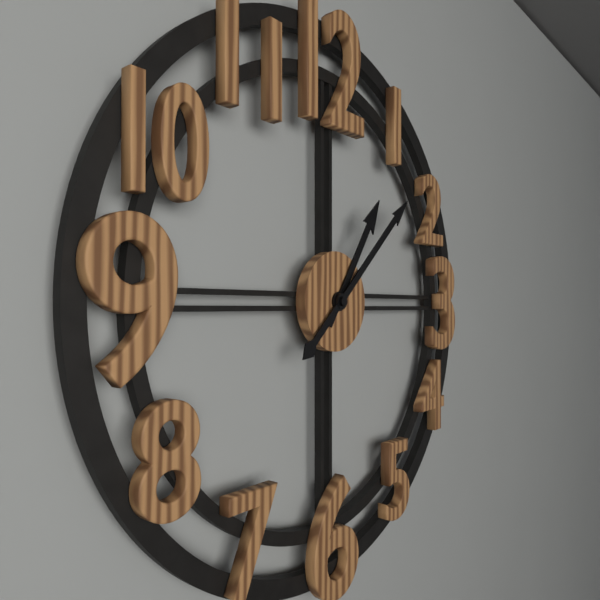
h=1 m=8
